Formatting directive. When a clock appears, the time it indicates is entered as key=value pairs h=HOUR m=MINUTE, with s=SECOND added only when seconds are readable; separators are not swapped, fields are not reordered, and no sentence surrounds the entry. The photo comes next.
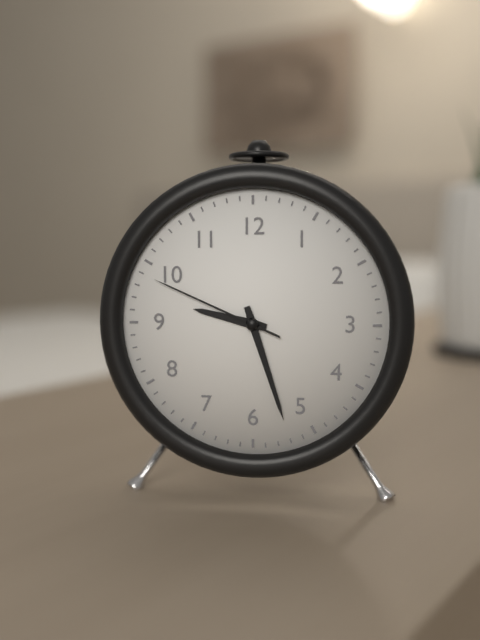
h=9 m=27 s=49
